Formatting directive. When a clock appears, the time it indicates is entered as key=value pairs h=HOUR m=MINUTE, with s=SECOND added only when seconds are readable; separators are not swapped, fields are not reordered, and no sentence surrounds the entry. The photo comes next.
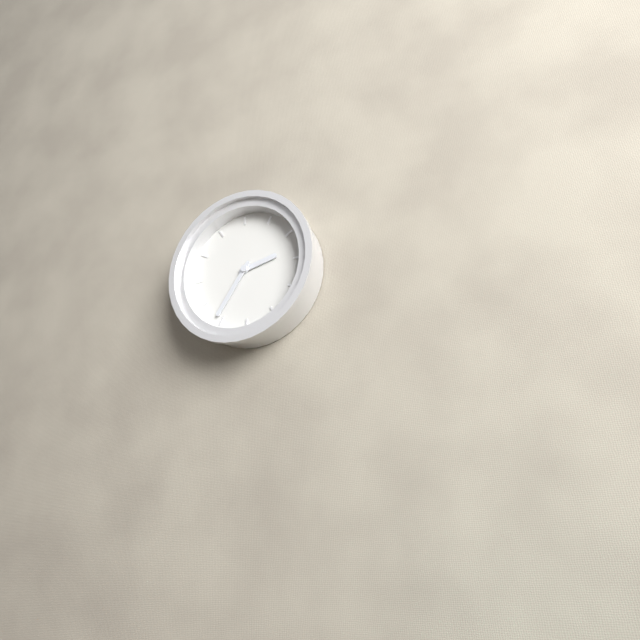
h=2 m=36
